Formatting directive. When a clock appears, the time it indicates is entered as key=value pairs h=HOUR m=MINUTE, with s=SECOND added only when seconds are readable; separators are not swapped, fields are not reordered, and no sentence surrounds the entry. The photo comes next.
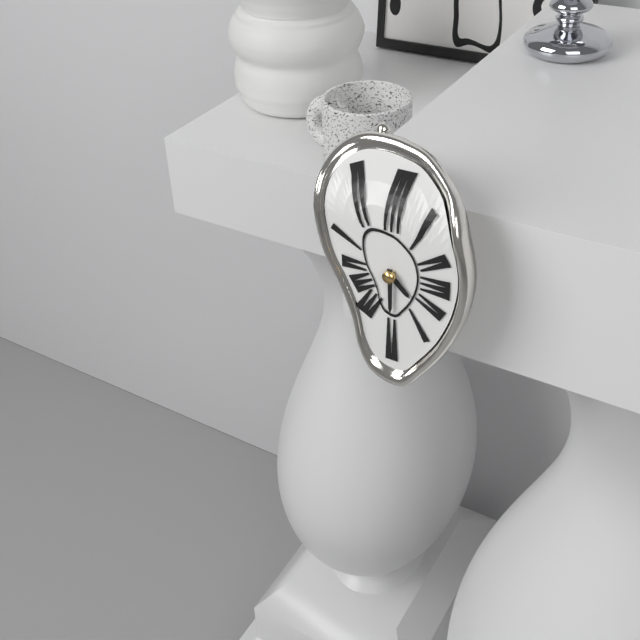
h=4 m=30
